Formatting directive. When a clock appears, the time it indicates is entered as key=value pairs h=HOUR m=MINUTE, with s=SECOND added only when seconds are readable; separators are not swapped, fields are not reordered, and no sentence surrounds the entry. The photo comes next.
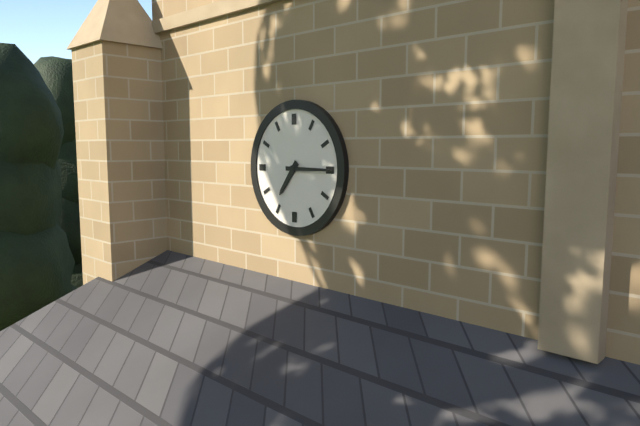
h=7 m=15
